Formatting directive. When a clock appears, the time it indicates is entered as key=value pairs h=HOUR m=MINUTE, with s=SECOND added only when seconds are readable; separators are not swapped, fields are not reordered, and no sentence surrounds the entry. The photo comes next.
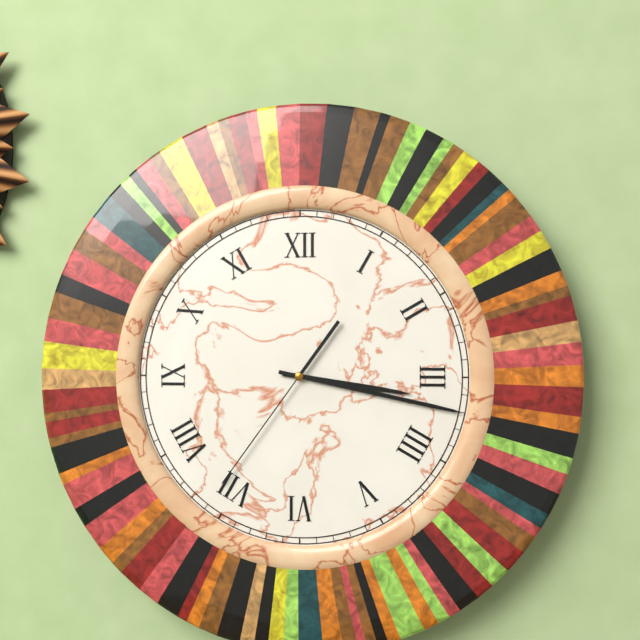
h=3 m=17 s=36
